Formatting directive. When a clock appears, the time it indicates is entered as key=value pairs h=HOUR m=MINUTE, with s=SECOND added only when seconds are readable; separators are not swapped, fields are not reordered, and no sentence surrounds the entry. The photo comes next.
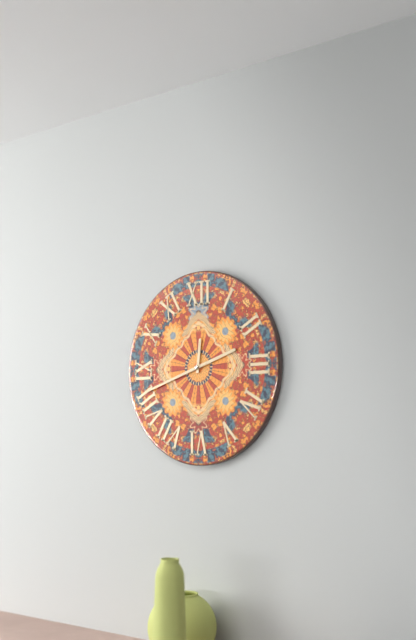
h=12 m=12 s=42
